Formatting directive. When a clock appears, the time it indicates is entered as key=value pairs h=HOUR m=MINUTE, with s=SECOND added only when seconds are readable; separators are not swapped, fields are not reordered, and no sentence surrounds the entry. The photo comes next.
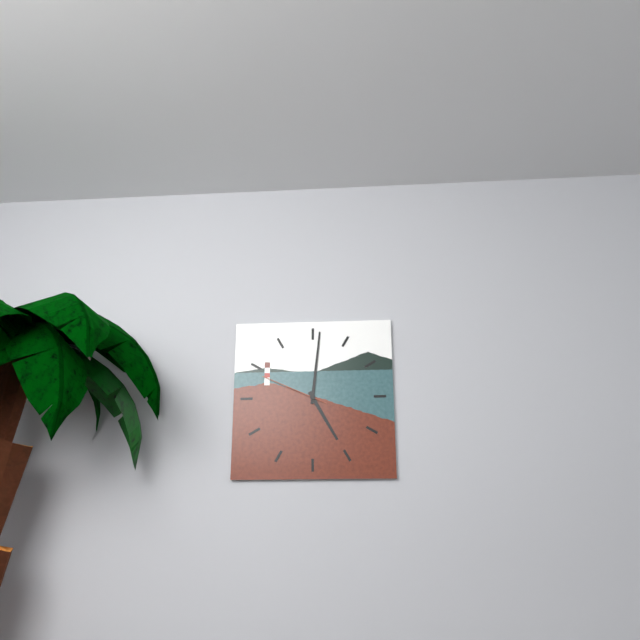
h=5 m=1 s=49
